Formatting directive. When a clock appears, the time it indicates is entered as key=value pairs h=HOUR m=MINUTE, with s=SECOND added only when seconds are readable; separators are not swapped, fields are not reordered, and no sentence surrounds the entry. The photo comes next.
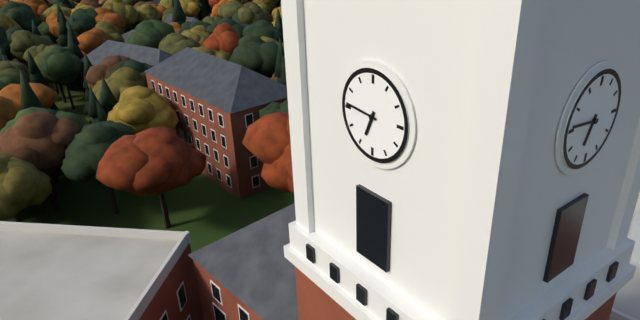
h=6 m=46
